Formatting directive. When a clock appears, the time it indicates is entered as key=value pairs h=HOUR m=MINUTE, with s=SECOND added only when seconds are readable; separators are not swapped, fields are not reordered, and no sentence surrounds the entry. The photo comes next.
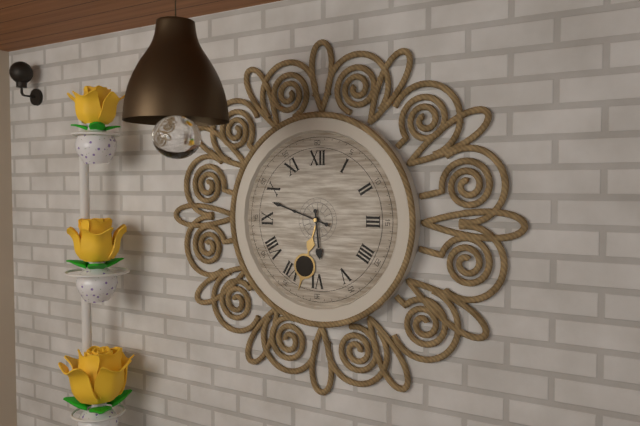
h=5 m=48
